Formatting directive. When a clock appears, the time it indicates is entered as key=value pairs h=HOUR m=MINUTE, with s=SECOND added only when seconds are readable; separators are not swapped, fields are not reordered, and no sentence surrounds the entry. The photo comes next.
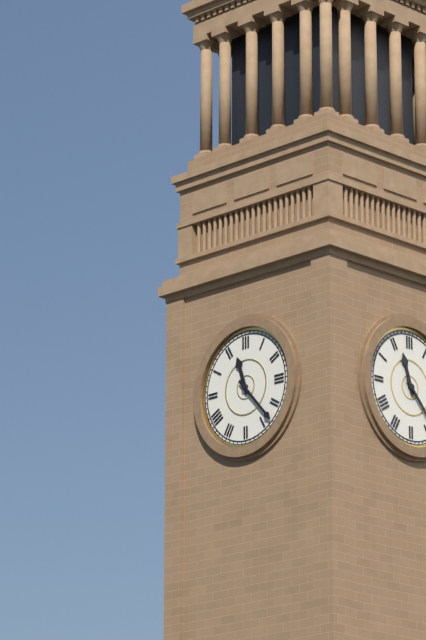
h=11 m=23
